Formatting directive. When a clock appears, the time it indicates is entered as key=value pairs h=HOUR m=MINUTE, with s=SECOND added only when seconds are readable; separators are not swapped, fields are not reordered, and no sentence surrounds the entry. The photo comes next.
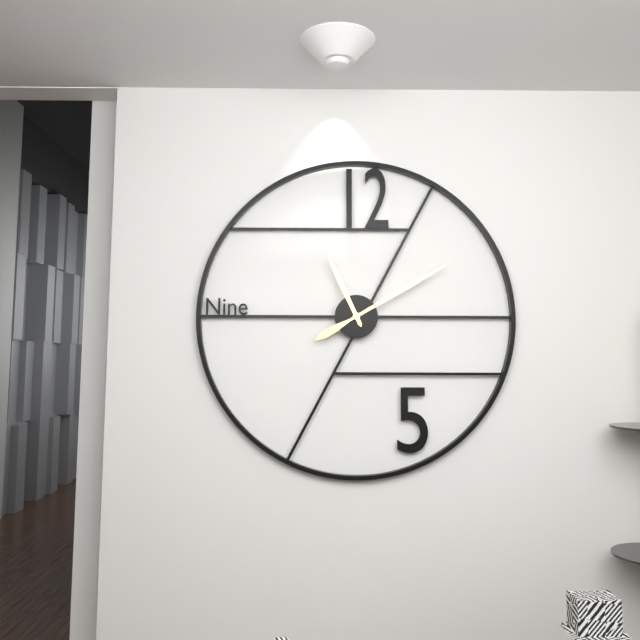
h=11 m=10
